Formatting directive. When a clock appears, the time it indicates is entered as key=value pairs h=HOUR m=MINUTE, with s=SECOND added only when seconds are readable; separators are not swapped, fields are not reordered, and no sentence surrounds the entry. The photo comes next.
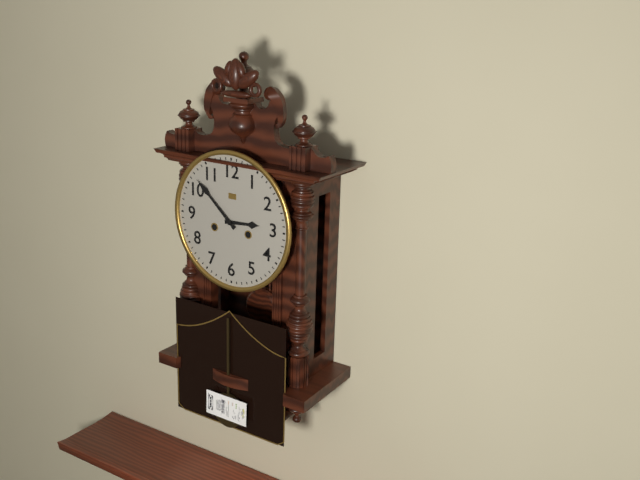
h=2 m=52
